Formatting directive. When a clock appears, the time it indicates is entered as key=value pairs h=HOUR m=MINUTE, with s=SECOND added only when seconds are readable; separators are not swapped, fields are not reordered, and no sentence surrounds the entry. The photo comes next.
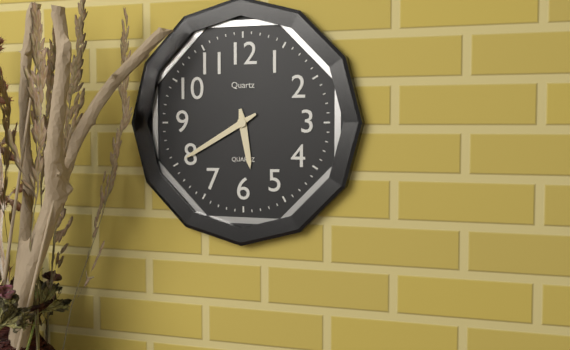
h=5 m=40
